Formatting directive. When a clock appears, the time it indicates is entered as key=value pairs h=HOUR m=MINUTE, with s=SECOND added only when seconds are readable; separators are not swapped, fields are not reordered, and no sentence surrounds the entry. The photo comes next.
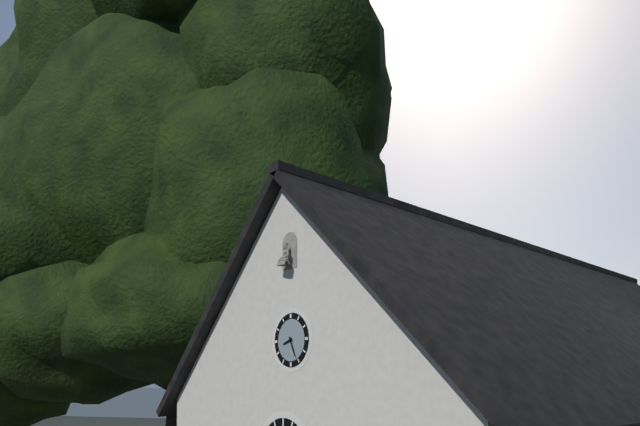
h=8 m=26
